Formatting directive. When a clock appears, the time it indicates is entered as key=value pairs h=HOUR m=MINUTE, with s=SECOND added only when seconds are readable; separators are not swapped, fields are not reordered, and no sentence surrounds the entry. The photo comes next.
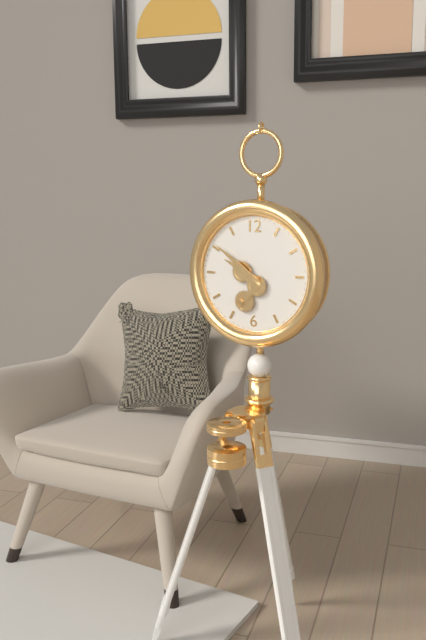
h=9 m=51
